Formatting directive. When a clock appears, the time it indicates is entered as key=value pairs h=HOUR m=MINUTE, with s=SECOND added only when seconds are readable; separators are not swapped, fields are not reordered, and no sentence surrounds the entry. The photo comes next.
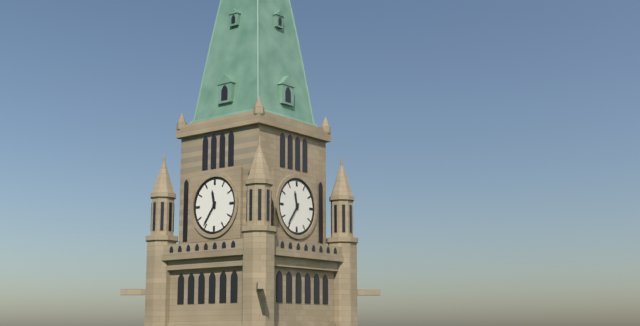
h=11 m=36
